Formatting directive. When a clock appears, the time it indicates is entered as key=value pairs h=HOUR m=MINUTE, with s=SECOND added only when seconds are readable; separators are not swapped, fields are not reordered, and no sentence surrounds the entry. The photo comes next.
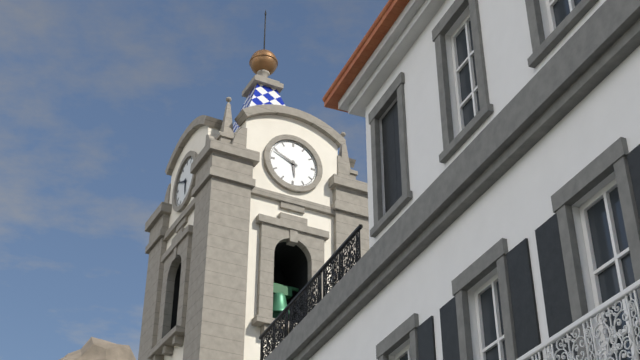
h=5 m=49
